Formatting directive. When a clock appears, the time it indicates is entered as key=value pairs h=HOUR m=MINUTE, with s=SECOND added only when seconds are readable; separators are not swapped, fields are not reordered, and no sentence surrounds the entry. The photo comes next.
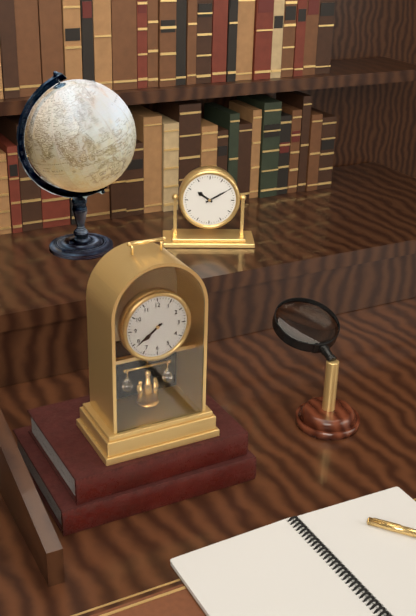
h=7 m=39
